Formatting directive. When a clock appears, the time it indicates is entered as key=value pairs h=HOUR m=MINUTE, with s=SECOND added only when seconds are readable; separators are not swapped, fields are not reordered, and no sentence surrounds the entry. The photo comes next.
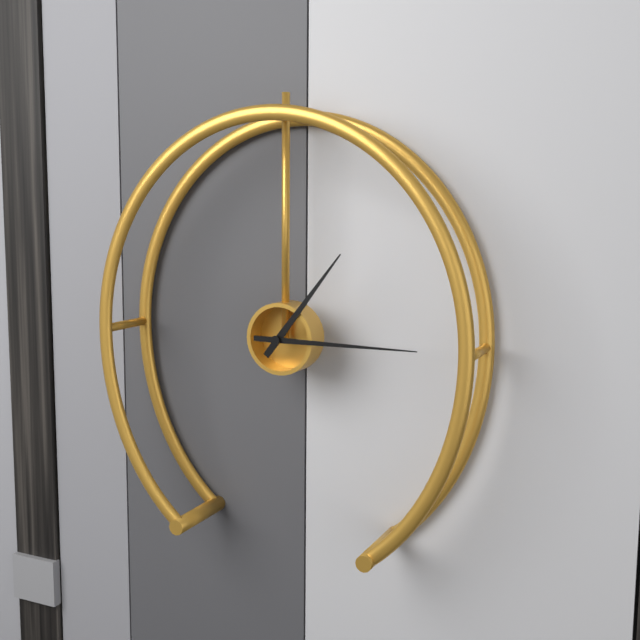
h=1 m=15
